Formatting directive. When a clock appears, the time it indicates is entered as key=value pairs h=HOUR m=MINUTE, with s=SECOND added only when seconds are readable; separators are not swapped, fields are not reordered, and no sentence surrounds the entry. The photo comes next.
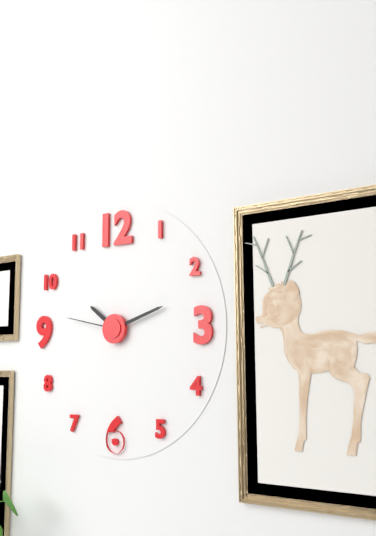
h=10 m=12 s=47
